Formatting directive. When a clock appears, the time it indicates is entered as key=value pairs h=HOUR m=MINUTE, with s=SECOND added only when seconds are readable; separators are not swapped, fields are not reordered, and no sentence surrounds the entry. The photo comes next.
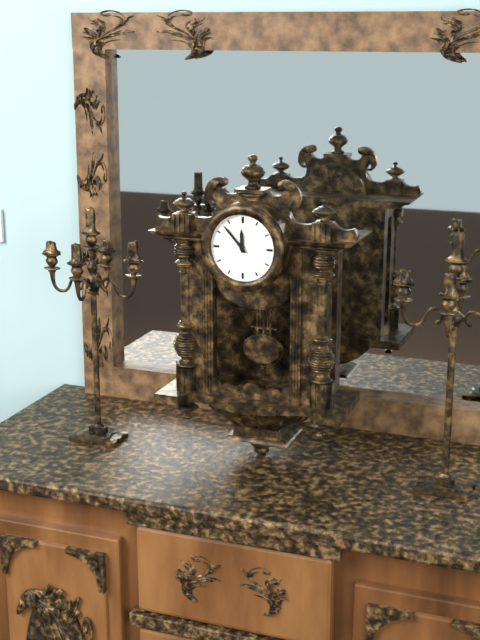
h=11 m=53
